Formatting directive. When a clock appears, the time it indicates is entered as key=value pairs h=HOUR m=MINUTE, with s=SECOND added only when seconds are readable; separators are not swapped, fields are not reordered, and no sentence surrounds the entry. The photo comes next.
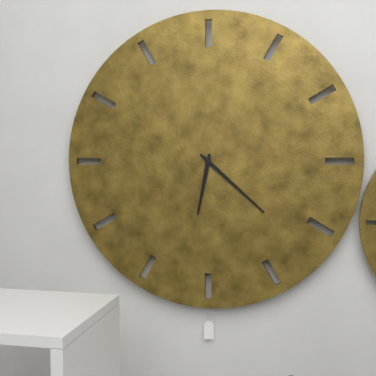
h=6 m=22
